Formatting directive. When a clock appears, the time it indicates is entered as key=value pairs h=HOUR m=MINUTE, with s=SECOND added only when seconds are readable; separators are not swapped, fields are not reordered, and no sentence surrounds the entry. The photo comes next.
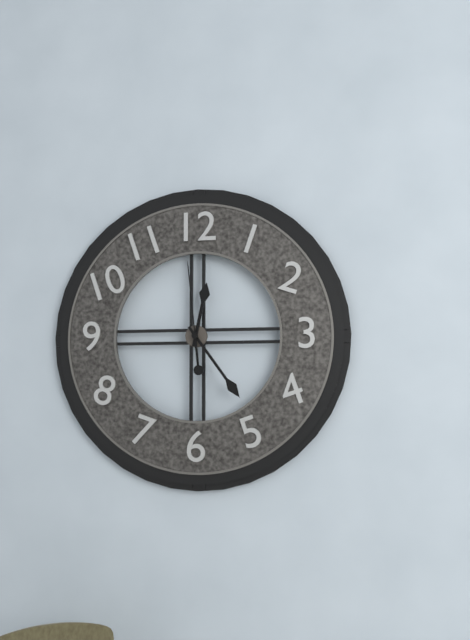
h=12 m=24 s=59
